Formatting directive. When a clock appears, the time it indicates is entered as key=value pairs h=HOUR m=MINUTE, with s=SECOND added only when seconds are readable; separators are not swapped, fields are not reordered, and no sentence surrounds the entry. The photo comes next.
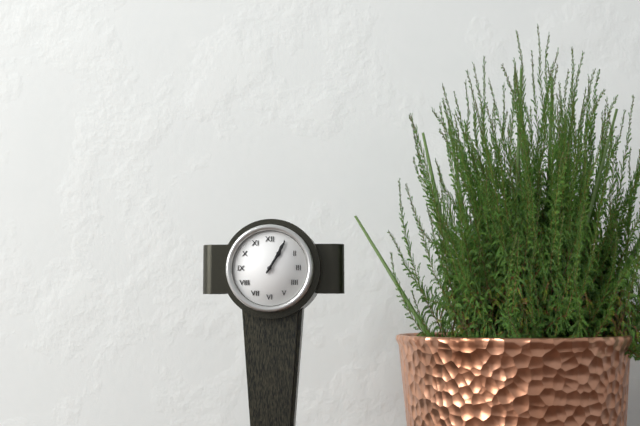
h=1 m=5
